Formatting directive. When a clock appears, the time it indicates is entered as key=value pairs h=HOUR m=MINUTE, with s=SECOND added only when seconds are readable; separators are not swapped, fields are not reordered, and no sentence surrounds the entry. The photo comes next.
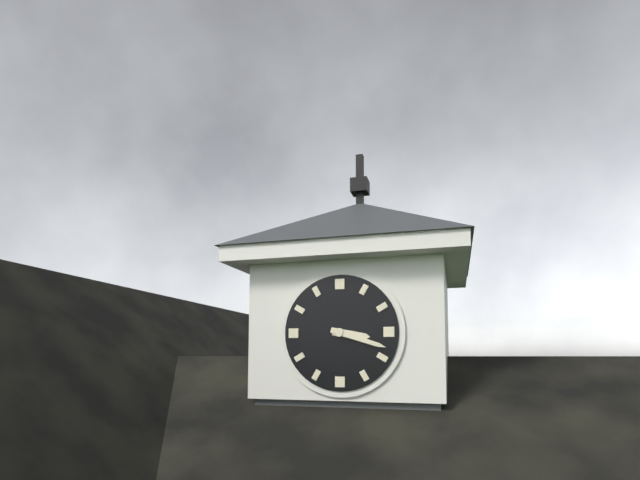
h=3 m=18
